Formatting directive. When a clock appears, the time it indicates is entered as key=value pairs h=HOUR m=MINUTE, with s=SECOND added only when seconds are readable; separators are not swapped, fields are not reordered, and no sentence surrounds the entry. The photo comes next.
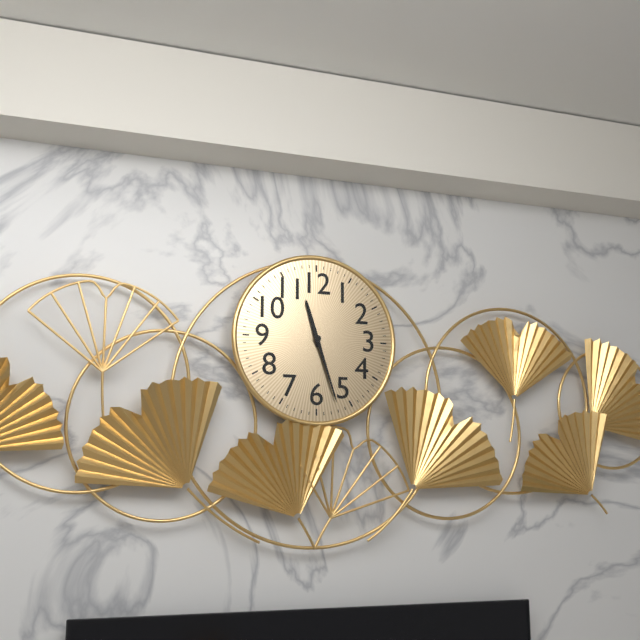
h=11 m=27
